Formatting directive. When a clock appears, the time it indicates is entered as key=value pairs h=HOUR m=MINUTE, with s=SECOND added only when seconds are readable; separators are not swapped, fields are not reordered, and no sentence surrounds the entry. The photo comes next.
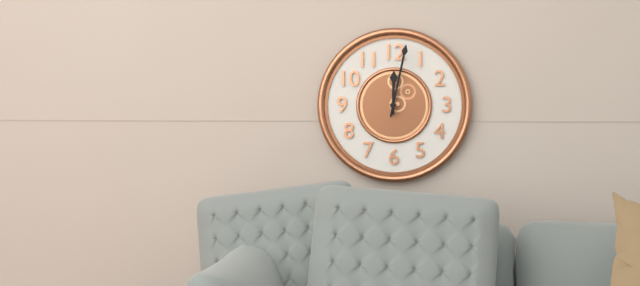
h=12 m=2
